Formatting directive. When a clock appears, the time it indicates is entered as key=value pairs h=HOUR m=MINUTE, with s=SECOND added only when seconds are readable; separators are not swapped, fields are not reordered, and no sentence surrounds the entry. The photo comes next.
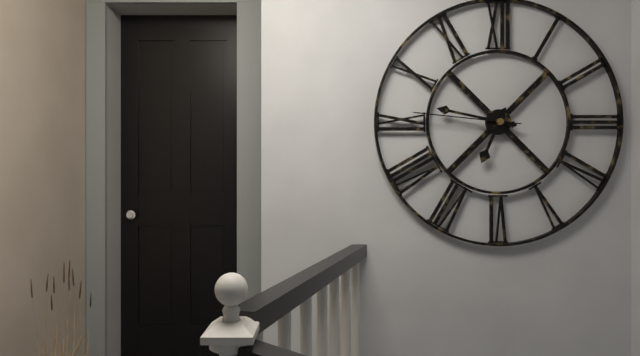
h=6 m=47 s=46
